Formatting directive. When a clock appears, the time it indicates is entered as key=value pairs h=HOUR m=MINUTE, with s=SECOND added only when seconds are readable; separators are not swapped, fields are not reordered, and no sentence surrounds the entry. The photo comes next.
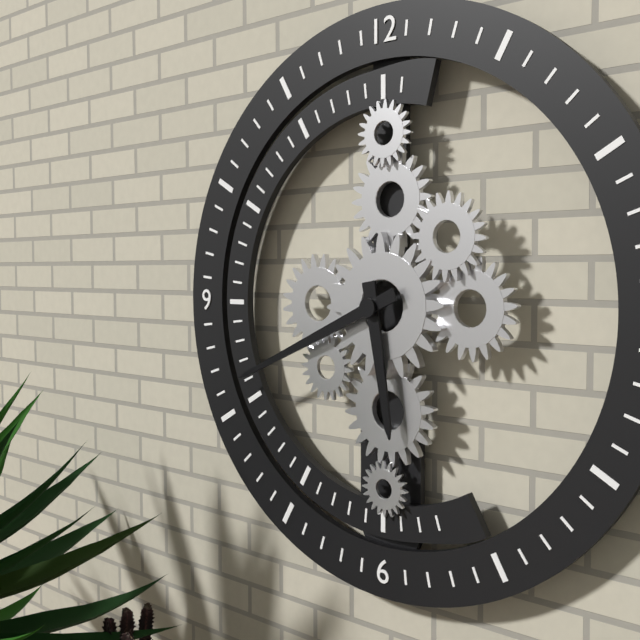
h=5 m=41
